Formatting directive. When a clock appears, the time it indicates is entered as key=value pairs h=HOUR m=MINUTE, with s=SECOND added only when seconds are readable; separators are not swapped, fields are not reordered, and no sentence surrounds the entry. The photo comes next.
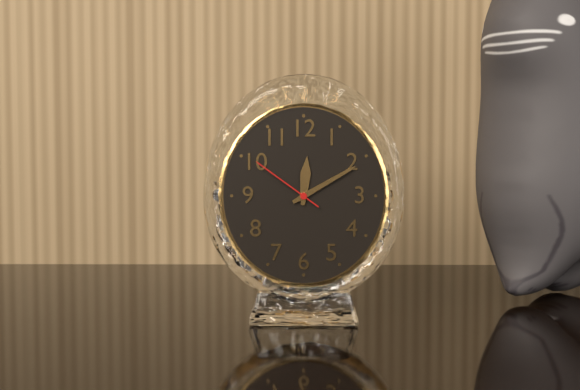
h=12 m=10 s=51
